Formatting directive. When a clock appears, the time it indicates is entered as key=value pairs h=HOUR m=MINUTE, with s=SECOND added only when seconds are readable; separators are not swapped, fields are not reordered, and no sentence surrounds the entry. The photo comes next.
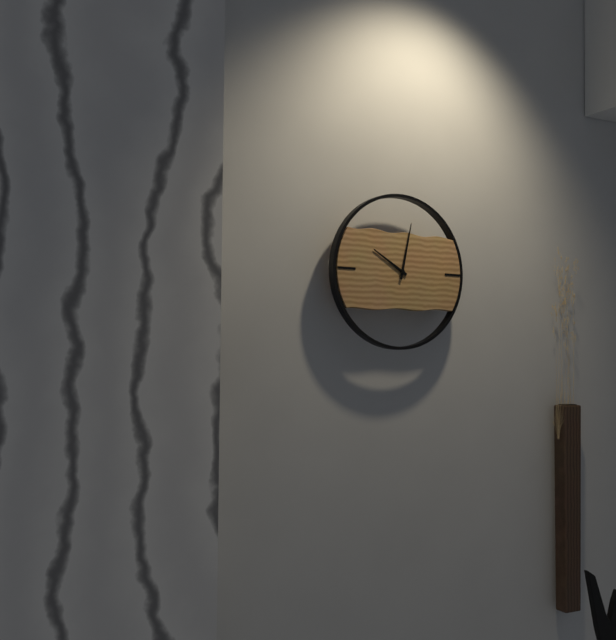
h=10 m=2
